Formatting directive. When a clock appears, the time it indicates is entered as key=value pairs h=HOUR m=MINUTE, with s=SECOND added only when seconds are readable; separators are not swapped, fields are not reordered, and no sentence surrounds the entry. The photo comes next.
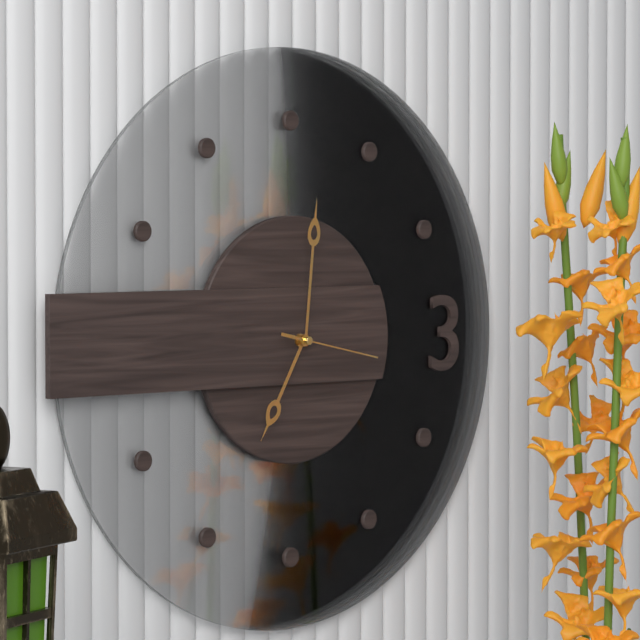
h=7 m=1 s=17
